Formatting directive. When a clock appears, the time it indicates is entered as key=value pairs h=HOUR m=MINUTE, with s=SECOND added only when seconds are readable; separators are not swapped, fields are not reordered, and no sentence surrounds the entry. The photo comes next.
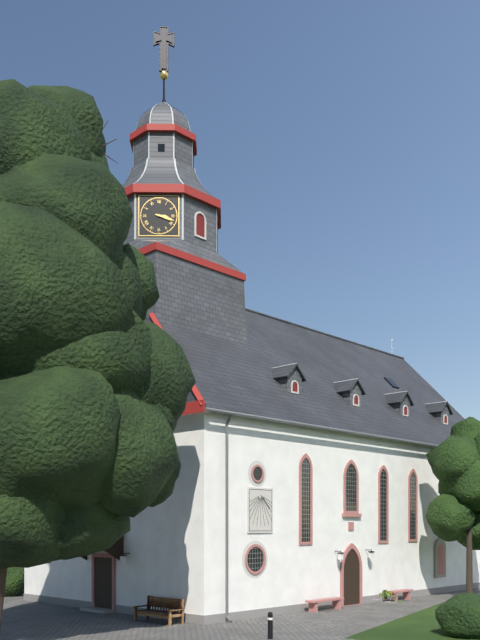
h=3 m=18
